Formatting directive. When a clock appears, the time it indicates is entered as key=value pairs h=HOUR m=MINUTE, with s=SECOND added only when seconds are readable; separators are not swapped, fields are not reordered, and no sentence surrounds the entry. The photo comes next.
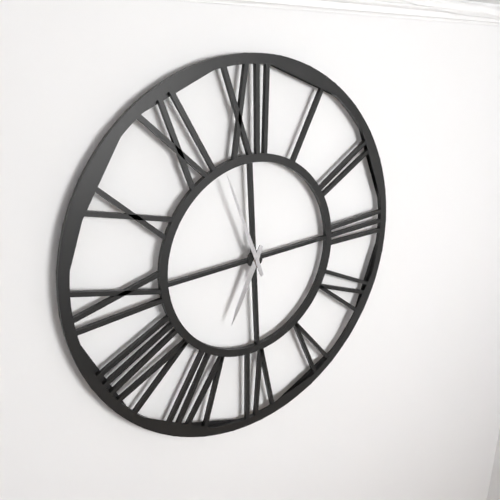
h=6 m=57
